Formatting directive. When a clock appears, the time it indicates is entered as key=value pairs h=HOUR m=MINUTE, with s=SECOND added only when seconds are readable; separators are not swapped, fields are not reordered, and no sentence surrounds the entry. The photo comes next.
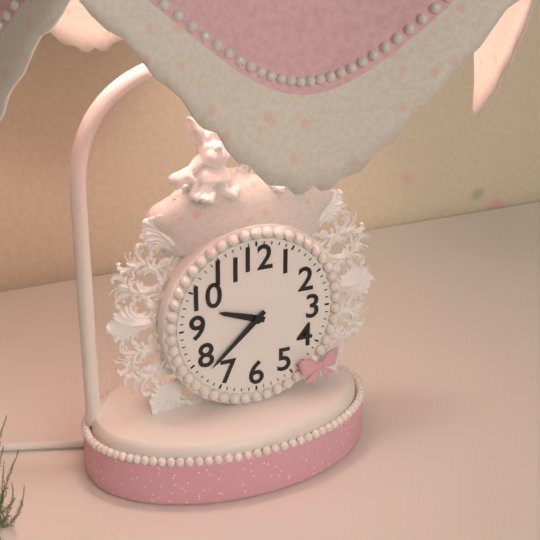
h=9 m=38
